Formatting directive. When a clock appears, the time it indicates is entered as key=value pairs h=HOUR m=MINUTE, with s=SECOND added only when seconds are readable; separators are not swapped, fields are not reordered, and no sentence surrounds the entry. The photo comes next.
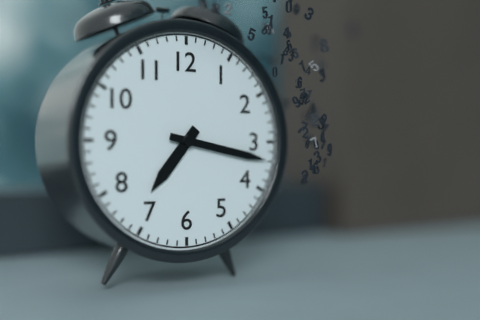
h=7 m=17
